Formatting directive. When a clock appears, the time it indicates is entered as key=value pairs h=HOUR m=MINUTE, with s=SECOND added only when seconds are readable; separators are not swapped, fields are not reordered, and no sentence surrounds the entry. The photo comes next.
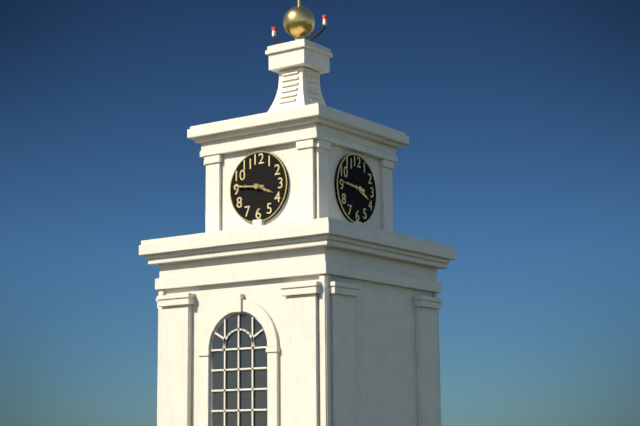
h=3 m=46
